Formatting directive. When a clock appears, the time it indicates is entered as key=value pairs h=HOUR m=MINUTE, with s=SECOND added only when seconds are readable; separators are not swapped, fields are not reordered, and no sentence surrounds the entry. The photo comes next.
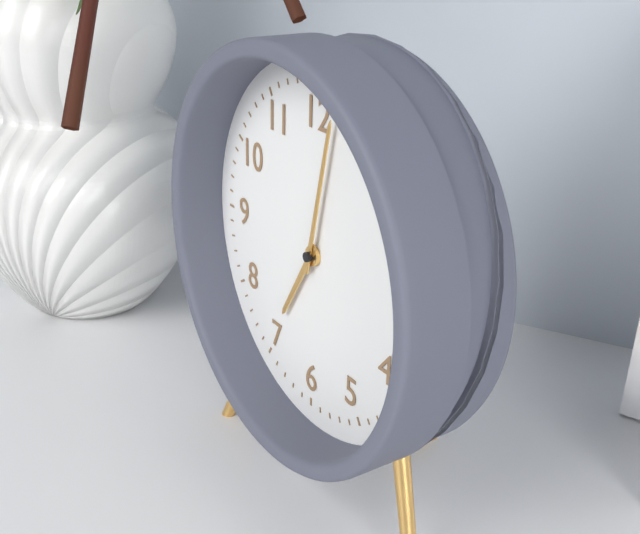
h=7 m=2
